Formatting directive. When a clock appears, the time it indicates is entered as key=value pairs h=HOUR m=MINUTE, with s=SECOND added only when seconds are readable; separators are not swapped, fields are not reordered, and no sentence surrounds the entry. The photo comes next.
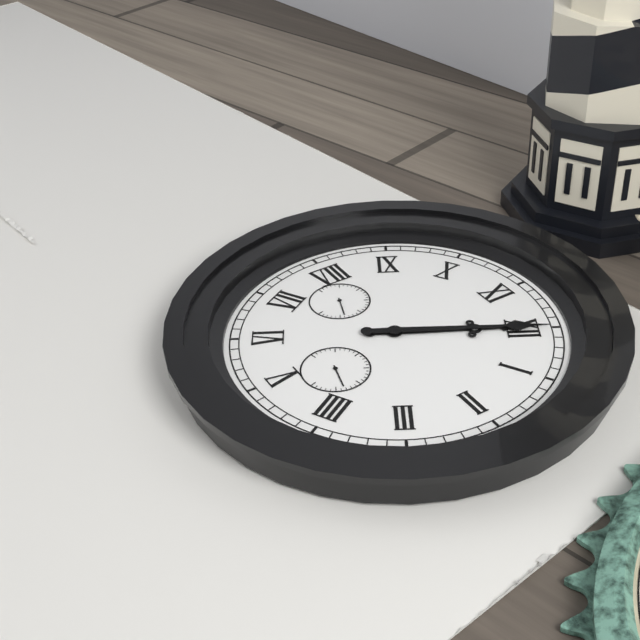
h=12 m=0
